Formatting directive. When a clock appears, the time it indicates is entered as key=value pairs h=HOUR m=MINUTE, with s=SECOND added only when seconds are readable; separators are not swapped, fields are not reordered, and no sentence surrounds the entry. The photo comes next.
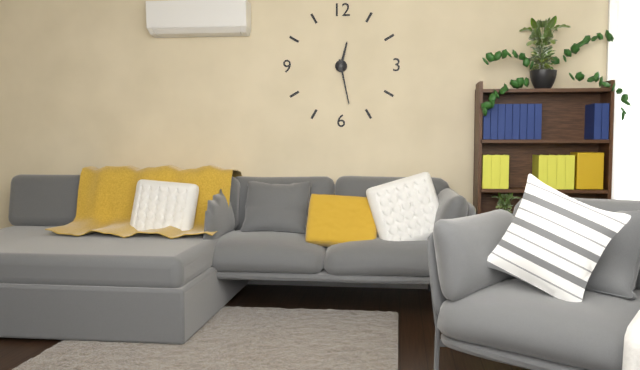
h=12 m=28
